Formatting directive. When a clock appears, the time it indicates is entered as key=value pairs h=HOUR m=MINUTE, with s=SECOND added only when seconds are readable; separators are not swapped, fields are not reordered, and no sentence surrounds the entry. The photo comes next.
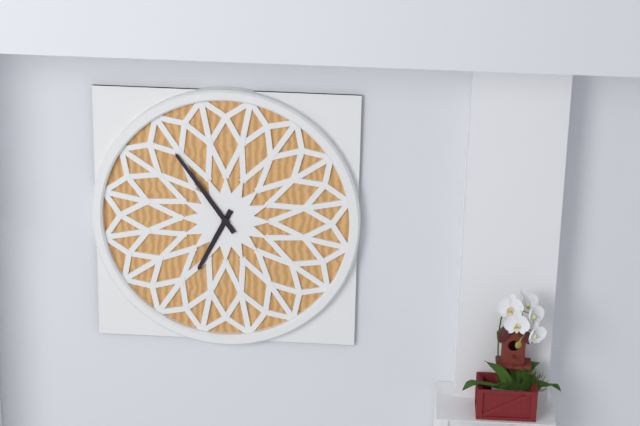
h=6 m=54
